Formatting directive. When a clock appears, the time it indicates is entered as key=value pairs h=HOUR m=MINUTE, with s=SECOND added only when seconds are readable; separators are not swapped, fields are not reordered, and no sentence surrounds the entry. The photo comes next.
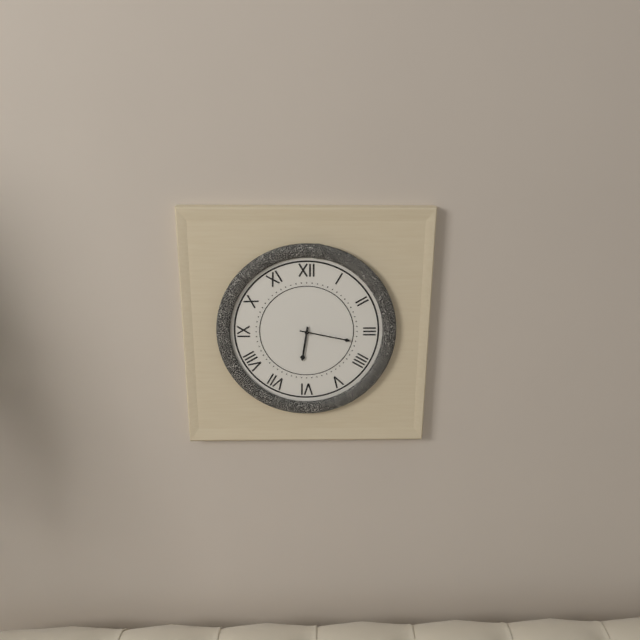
h=6 m=17
